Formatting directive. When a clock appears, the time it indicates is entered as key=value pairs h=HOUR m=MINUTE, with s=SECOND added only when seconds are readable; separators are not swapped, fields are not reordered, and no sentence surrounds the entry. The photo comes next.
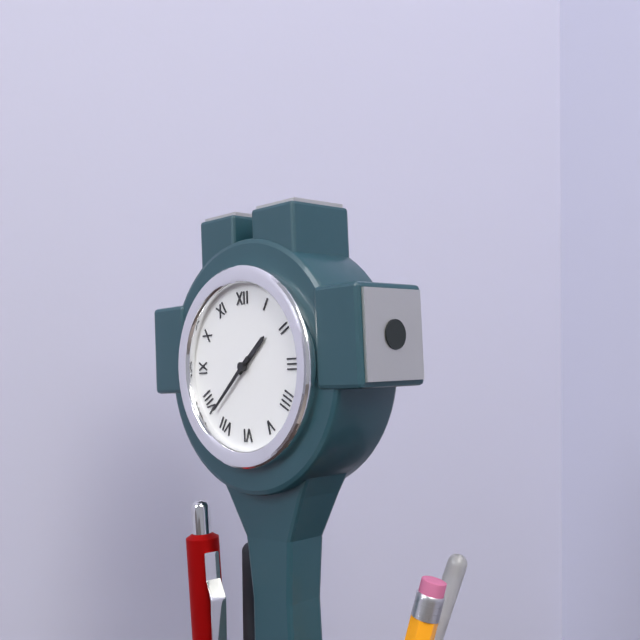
h=1 m=38
